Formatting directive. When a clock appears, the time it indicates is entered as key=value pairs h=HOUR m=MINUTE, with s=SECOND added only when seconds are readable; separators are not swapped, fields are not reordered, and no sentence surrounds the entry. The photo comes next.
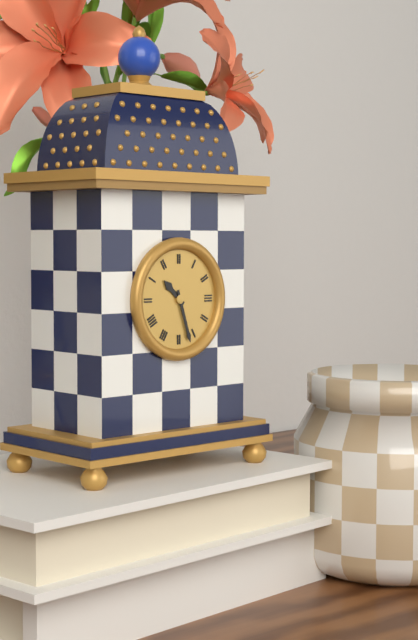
h=10 m=27
